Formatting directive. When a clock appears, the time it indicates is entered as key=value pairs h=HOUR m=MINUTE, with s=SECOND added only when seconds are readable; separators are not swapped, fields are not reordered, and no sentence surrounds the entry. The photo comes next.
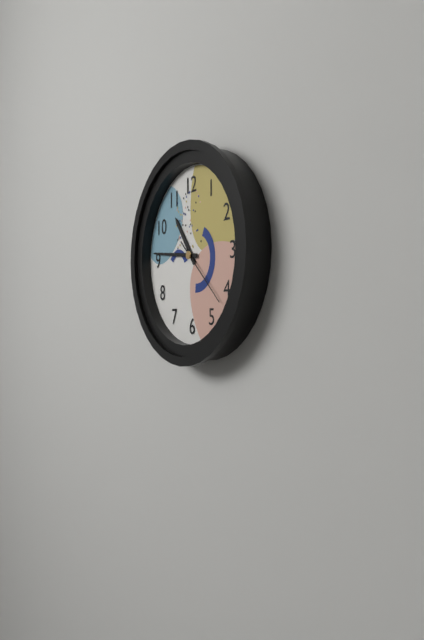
h=10 m=46 s=22
